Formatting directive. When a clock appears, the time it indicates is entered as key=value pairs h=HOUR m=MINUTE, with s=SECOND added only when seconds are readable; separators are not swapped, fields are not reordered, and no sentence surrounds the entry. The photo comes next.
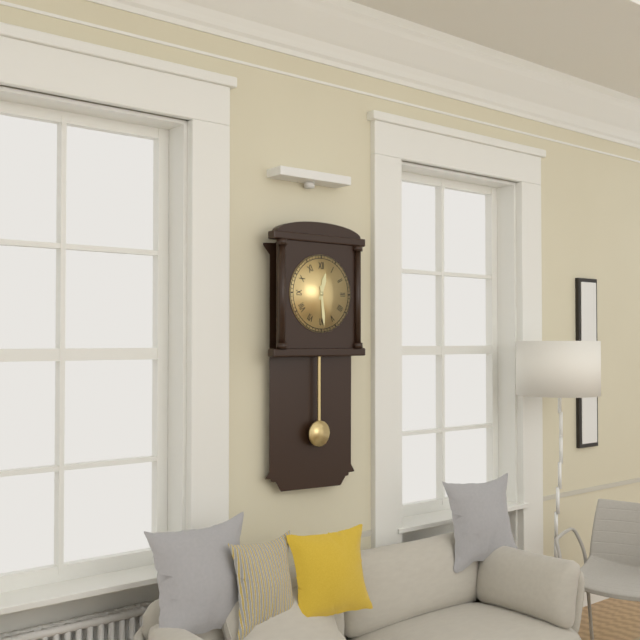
h=12 m=29
